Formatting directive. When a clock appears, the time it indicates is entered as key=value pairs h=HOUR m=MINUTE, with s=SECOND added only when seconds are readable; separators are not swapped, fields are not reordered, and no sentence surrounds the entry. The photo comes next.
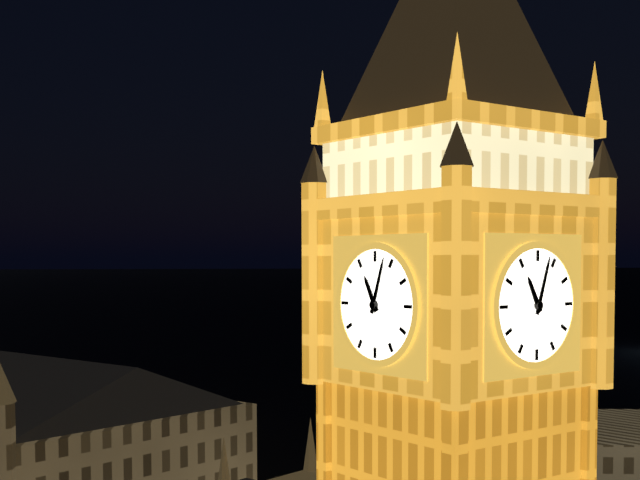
h=11 m=3
